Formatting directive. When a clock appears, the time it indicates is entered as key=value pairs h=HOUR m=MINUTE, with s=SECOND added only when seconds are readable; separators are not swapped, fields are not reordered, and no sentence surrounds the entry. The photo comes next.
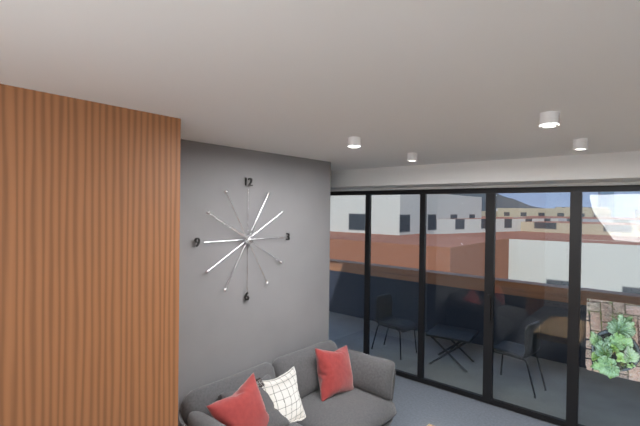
h=12 m=50
